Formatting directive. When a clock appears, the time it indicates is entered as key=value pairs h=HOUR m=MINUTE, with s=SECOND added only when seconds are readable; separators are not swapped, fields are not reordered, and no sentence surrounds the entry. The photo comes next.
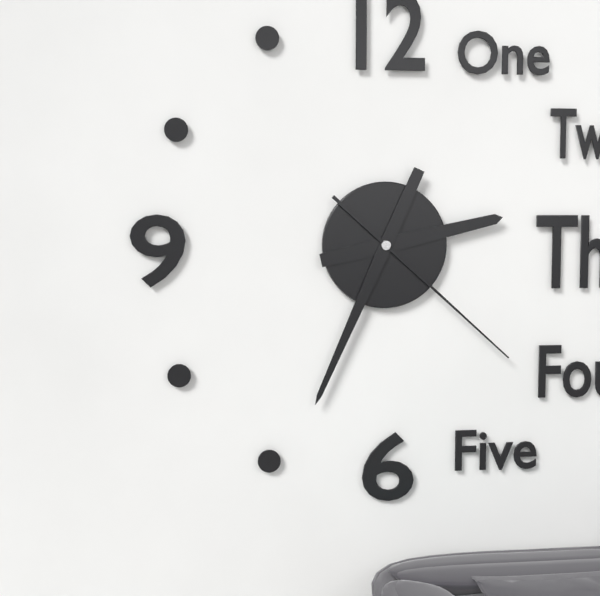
h=2 m=34 s=22
